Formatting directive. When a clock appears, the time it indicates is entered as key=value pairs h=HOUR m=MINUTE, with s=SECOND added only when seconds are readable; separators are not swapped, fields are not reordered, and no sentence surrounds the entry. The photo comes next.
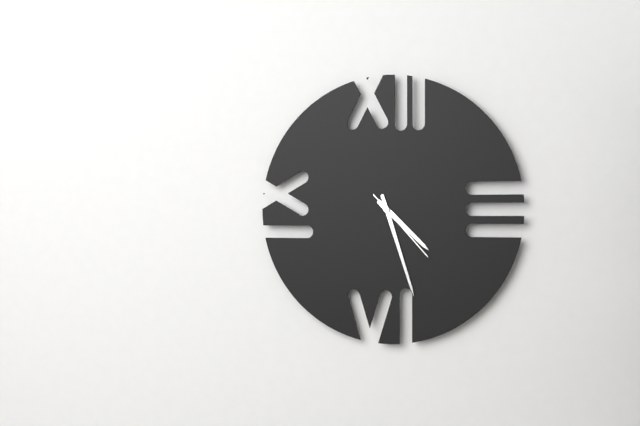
h=4 m=27 s=23
